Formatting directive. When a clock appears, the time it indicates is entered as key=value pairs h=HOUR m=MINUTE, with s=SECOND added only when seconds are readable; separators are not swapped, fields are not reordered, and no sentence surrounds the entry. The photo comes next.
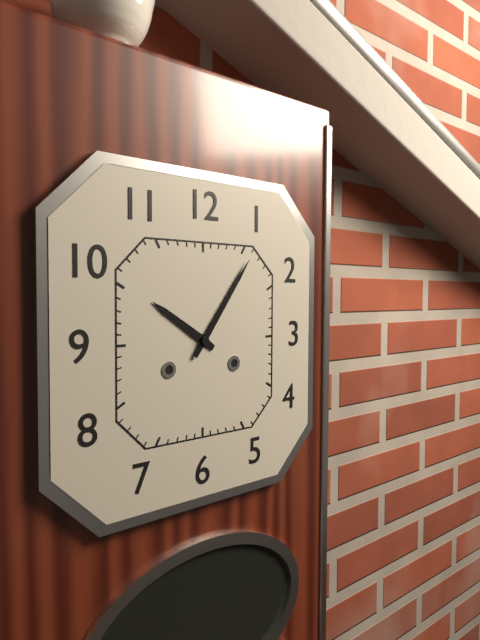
h=10 m=6
